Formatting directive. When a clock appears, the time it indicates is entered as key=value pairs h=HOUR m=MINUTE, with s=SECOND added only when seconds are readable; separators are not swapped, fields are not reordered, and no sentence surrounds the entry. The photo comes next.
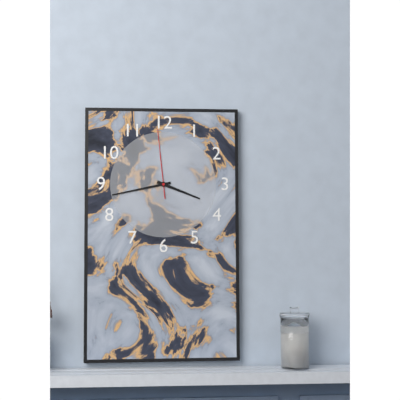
h=3 m=43 s=59
